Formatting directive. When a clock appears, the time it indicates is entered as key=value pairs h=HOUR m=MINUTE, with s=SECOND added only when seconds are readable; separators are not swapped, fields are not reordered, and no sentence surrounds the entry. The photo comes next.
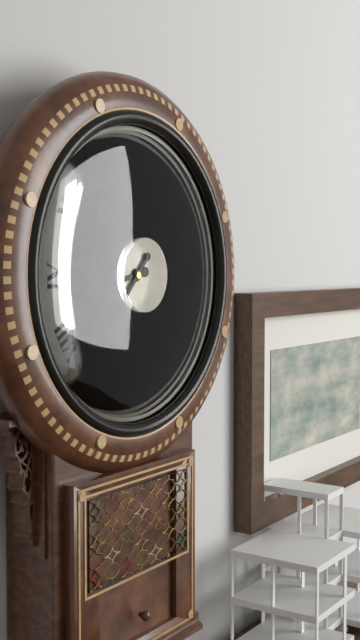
h=8 m=37
